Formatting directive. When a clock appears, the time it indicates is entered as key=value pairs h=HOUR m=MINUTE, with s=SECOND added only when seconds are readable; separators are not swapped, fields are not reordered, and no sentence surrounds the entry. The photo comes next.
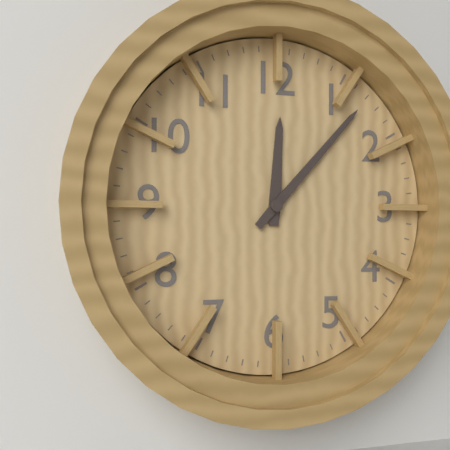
h=12 m=7
